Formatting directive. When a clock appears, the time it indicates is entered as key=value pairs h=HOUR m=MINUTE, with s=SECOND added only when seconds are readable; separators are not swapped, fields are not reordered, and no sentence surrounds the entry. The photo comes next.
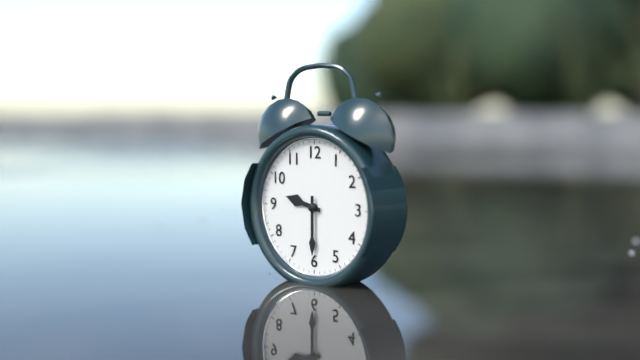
h=9 m=30
